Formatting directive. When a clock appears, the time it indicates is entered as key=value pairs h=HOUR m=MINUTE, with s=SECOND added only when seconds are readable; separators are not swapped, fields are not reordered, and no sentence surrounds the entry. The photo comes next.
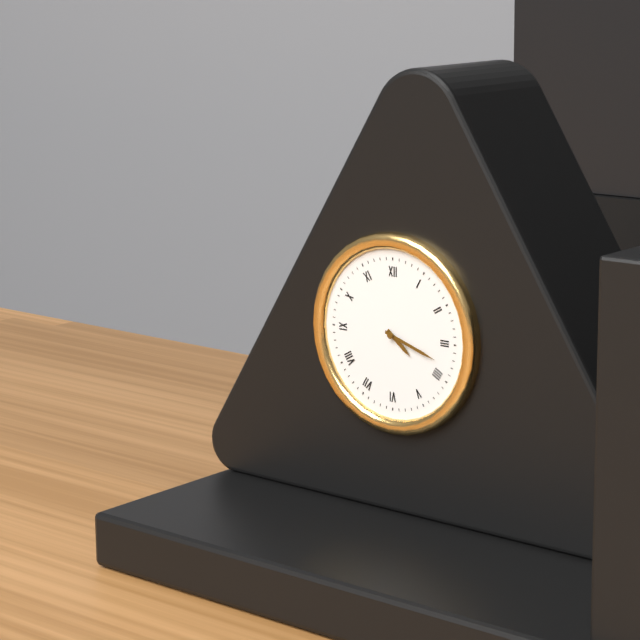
h=4 m=18
